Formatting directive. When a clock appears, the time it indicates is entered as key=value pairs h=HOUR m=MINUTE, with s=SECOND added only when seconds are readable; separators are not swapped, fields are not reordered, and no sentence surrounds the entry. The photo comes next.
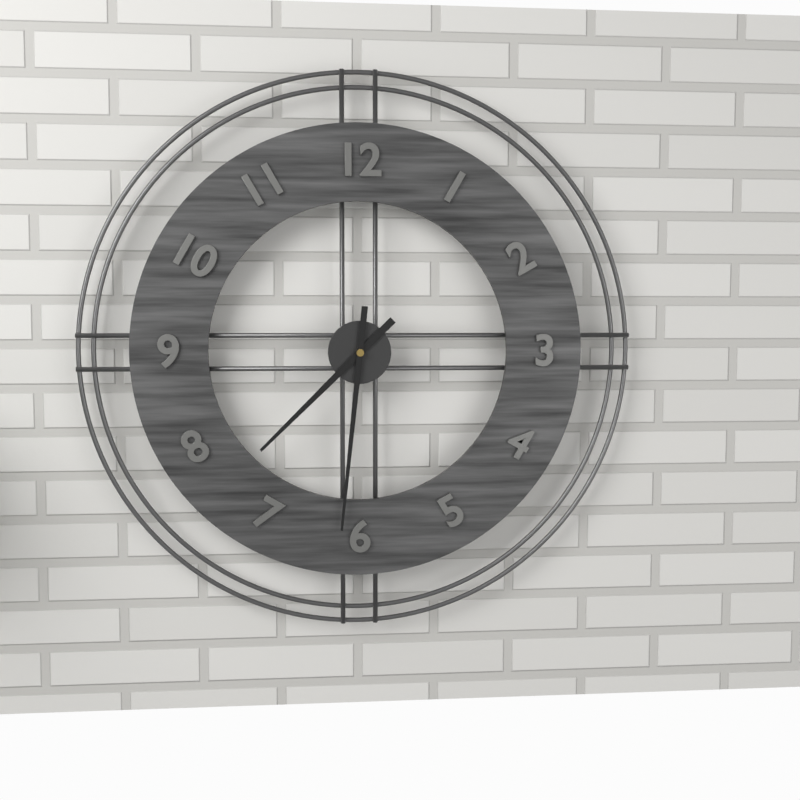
h=7 m=31
